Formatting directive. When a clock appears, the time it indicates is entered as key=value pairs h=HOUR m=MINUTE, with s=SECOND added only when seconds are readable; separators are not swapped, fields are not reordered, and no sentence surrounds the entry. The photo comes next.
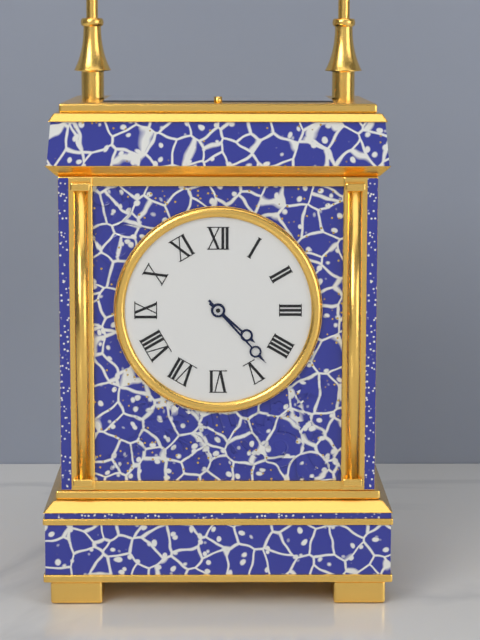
h=4 m=23
